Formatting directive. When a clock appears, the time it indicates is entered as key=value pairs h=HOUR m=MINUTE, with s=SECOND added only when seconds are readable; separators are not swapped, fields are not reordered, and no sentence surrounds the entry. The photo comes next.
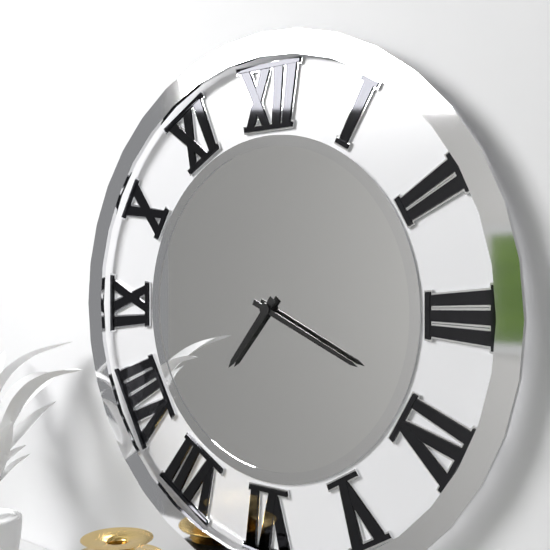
h=7 m=19
